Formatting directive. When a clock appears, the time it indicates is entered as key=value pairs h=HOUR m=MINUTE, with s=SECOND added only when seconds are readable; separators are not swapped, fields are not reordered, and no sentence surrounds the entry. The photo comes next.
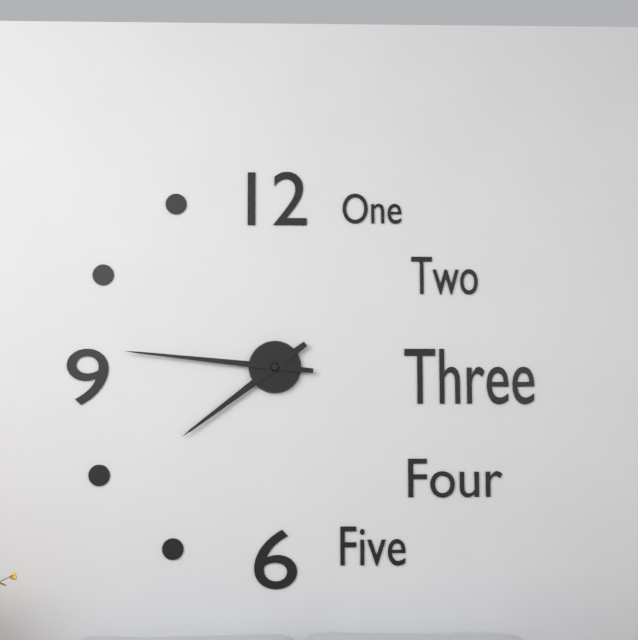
h=7 m=46
